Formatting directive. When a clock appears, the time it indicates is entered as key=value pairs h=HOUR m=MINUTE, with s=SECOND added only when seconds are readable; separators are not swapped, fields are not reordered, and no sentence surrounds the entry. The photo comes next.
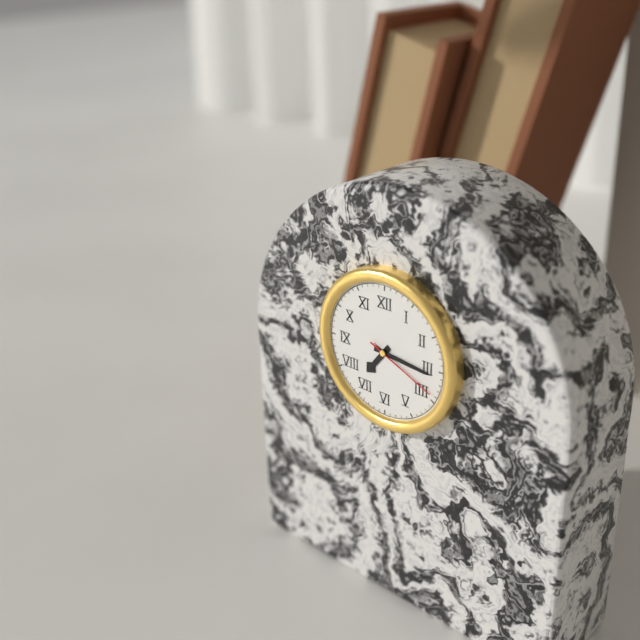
h=7 m=16 s=19
